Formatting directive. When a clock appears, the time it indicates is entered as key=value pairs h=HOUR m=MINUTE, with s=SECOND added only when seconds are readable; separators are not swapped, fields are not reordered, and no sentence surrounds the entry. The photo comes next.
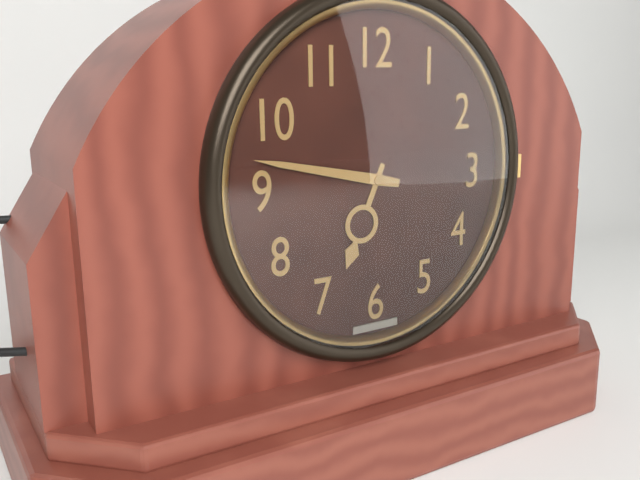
h=6 m=47
